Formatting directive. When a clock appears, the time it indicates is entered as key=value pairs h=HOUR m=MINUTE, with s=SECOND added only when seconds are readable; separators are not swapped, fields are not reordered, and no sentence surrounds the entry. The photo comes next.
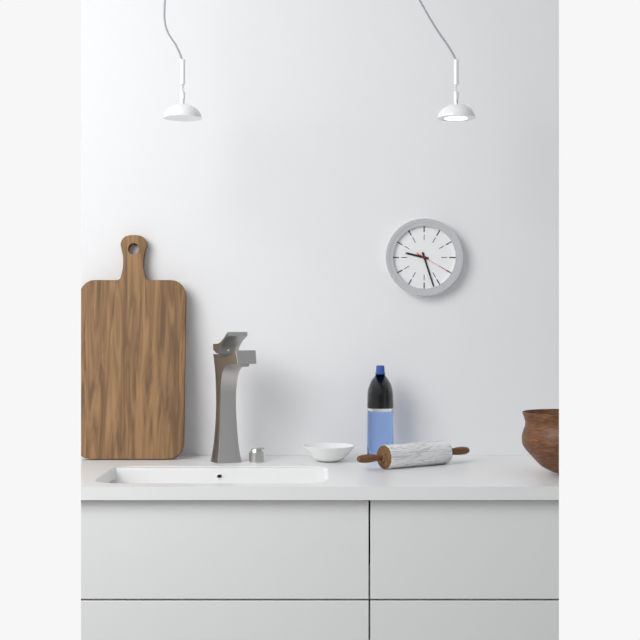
h=9 m=27
